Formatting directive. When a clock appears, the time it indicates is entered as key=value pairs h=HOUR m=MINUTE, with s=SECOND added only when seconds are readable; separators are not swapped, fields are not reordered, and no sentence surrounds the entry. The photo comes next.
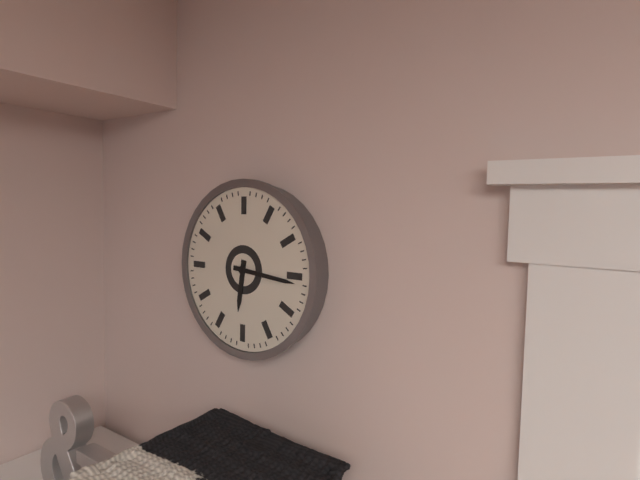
h=6 m=16
